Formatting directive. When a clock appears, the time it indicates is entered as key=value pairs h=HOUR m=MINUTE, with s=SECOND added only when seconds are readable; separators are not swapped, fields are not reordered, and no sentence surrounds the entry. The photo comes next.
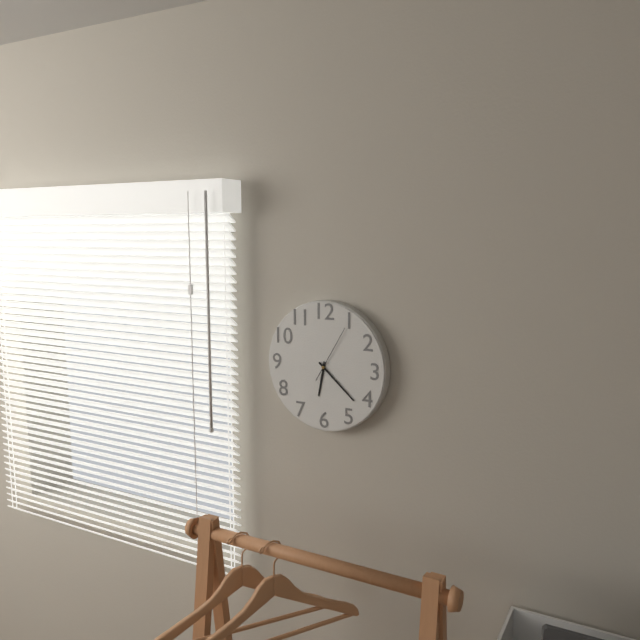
h=6 m=22 s=5
